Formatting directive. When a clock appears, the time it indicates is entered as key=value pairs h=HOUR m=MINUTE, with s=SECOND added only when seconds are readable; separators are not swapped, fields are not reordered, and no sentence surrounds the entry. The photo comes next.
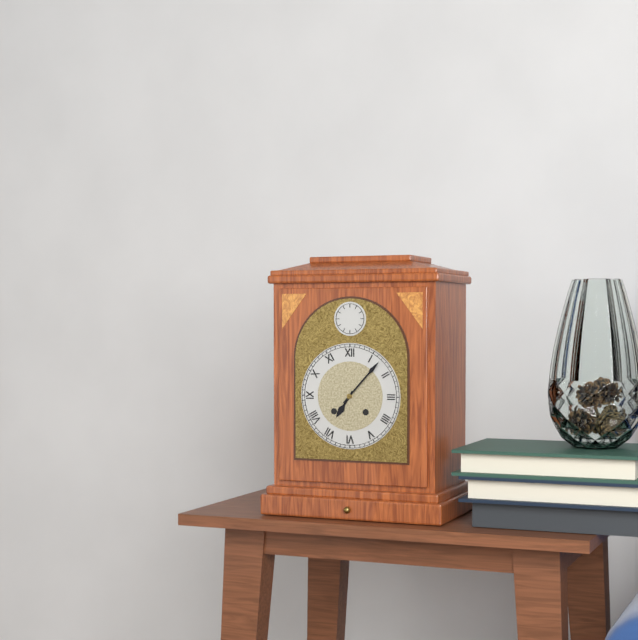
h=7 m=7
